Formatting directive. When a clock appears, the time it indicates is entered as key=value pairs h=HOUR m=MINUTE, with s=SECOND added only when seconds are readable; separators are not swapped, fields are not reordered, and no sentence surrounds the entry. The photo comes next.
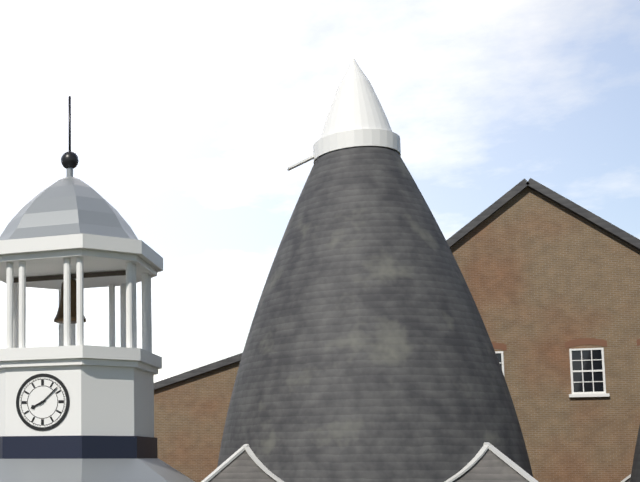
h=8 m=8
